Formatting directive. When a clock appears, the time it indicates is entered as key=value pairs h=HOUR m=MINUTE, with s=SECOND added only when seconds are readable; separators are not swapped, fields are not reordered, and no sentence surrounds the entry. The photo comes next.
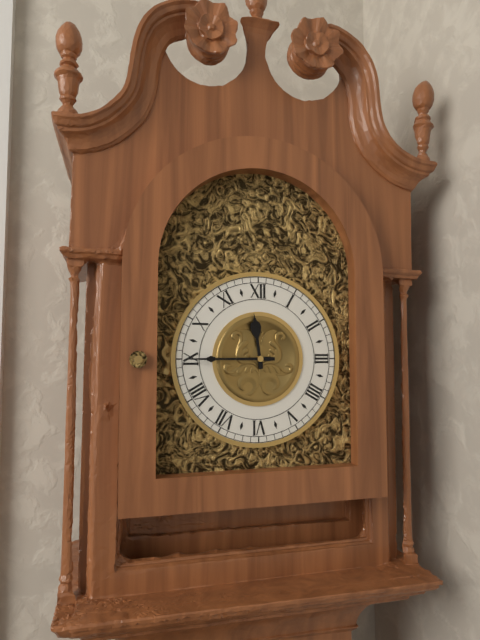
h=11 m=45
